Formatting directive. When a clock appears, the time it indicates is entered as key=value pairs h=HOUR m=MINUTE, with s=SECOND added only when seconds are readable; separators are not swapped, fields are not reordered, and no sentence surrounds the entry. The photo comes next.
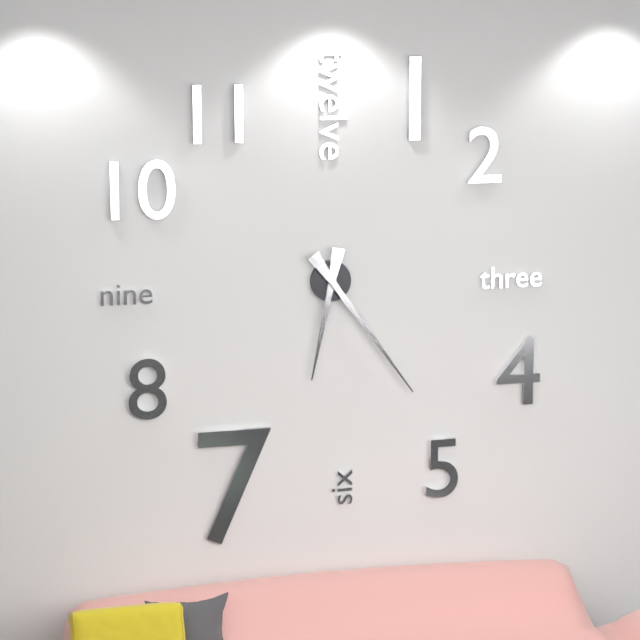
h=6 m=24
